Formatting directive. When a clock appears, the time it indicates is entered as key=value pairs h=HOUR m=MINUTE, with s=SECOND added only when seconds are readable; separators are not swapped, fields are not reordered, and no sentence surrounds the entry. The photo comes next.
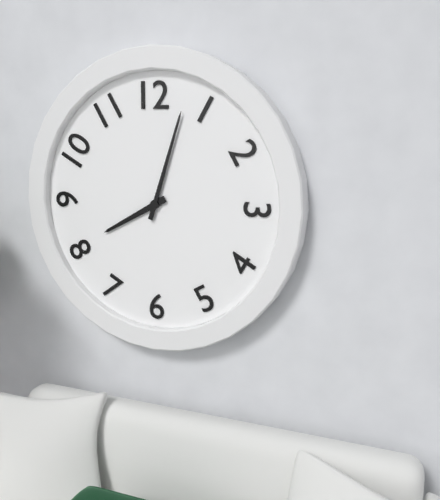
h=8 m=3
